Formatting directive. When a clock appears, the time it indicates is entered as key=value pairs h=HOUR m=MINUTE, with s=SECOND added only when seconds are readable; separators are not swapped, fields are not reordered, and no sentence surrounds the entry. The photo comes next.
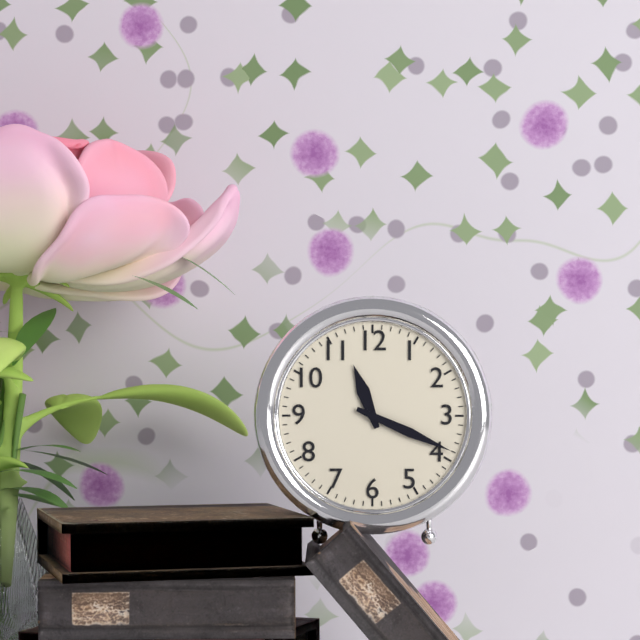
h=11 m=19
